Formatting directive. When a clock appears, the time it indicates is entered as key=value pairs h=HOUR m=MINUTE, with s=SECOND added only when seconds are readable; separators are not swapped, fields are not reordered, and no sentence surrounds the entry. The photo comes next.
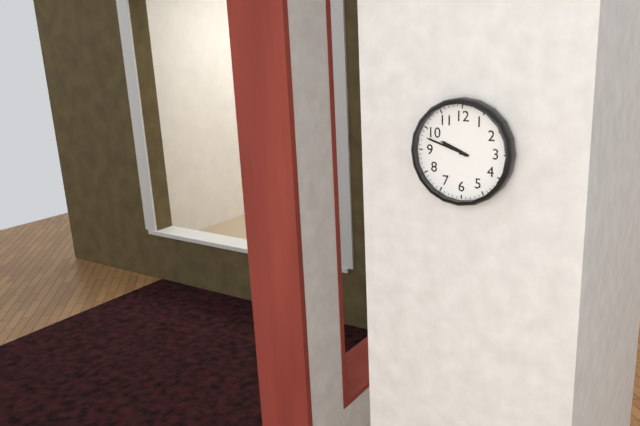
h=9 m=48
